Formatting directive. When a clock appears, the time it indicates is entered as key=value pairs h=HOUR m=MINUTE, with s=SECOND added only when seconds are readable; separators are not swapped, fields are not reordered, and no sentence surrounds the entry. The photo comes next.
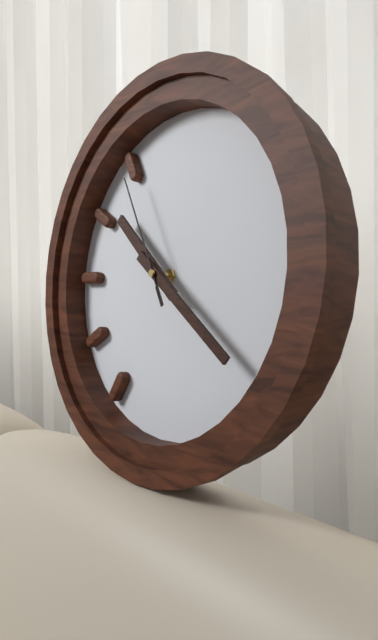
h=10 m=21 s=55
